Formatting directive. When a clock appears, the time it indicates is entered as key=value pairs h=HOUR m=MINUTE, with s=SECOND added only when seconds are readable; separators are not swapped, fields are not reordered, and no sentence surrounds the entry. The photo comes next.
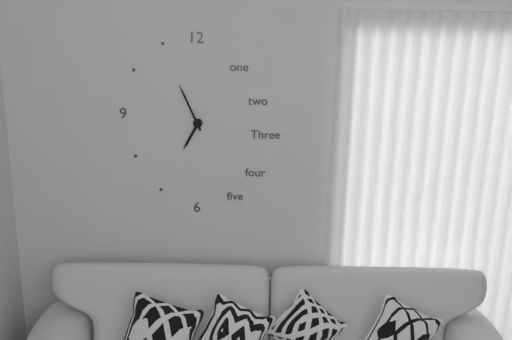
h=6 m=56
